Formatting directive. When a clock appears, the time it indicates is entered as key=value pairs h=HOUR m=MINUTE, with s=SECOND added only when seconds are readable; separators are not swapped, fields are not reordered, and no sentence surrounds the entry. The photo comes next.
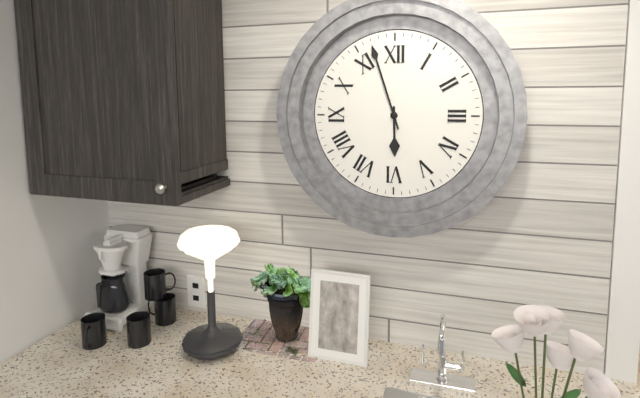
h=5 m=57
